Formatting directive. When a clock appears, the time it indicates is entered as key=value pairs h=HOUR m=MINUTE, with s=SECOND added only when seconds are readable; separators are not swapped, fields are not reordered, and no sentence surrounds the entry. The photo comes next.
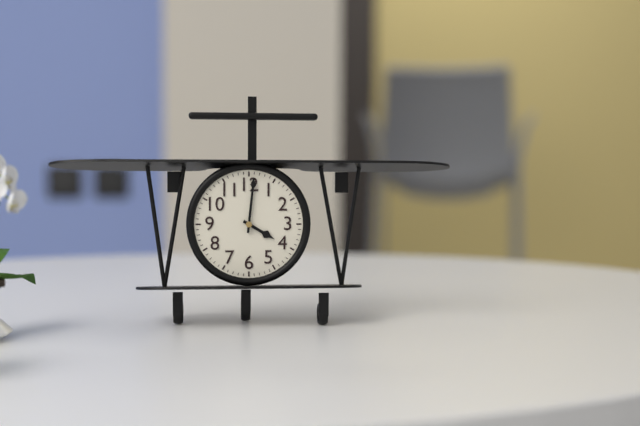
h=4 m=1
